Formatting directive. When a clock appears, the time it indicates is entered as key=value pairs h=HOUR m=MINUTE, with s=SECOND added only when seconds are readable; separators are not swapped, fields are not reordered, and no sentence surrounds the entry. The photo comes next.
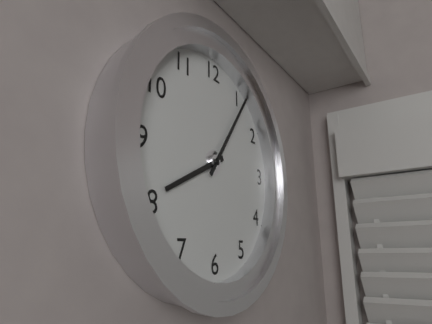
h=8 m=6
